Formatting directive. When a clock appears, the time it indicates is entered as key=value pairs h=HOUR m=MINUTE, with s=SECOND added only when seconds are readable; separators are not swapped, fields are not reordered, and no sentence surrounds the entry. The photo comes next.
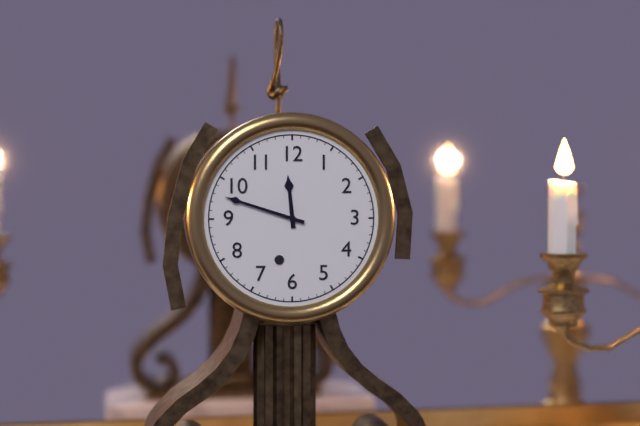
h=11 m=48
